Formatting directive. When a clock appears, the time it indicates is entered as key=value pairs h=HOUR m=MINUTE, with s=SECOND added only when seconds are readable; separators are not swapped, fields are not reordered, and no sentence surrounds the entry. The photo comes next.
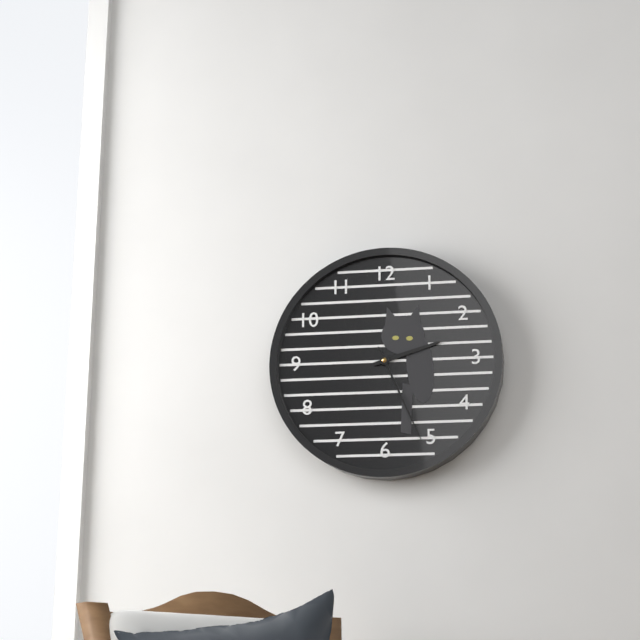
h=2 m=26
